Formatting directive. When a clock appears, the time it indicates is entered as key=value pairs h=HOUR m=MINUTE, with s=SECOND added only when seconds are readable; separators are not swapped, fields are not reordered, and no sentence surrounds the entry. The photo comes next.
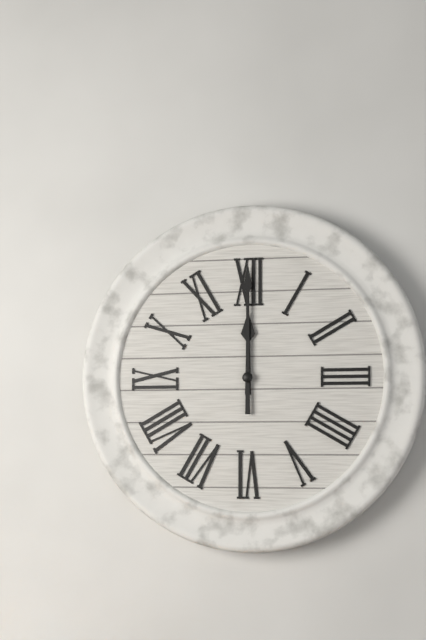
h=12 m=0
